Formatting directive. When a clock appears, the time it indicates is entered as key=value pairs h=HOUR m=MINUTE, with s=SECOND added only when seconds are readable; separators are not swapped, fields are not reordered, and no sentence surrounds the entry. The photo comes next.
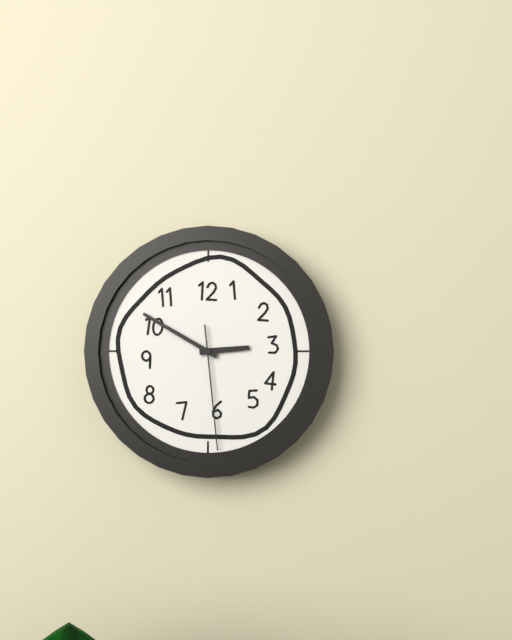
h=2 m=50 s=29
